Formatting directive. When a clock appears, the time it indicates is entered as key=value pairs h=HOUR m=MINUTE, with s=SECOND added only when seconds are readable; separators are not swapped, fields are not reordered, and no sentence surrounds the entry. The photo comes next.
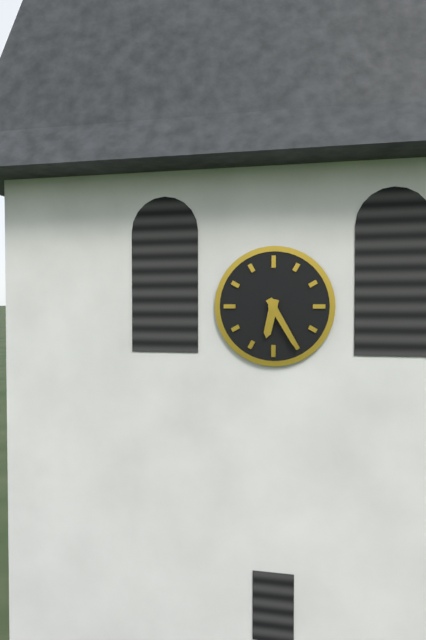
h=6 m=25
